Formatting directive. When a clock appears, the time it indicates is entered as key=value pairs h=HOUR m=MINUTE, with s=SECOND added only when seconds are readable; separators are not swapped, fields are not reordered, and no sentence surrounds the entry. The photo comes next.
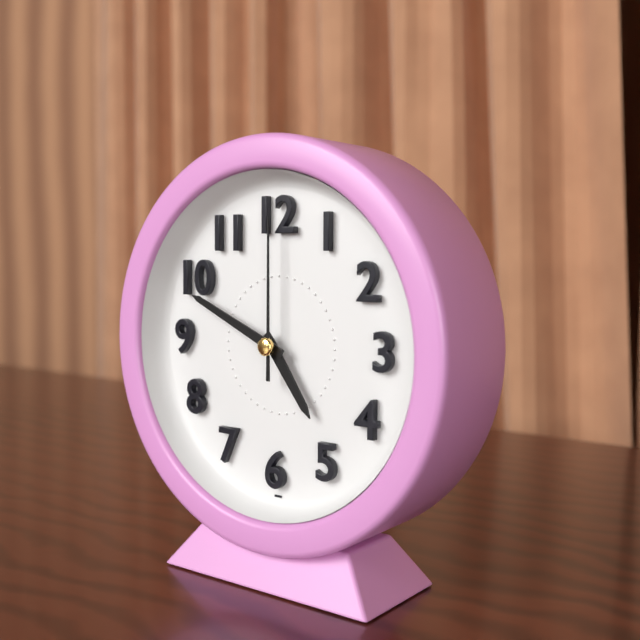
h=4 m=49 s=0
